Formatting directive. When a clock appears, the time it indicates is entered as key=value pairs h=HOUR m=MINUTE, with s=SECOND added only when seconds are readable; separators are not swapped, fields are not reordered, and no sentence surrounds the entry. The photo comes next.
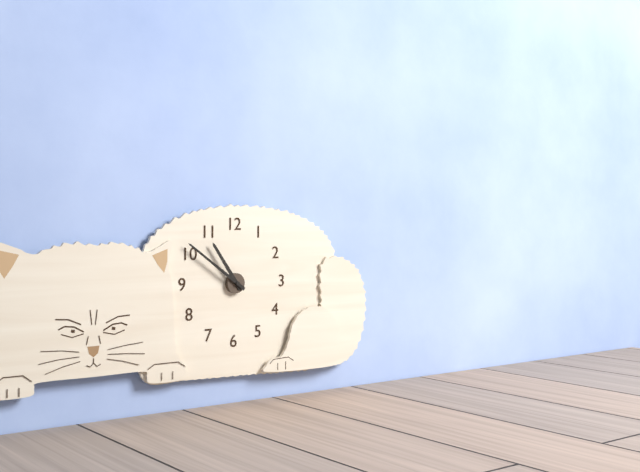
h=10 m=51
